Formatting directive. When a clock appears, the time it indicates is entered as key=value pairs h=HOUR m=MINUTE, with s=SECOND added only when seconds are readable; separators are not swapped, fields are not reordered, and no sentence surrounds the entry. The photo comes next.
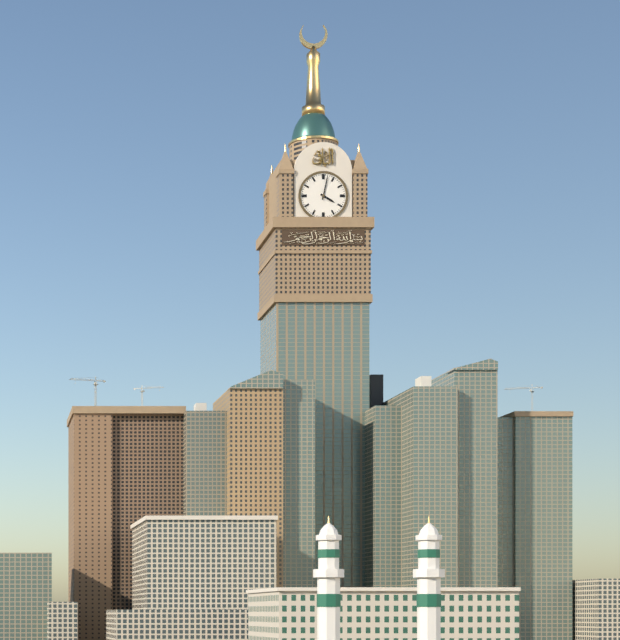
h=4 m=2
